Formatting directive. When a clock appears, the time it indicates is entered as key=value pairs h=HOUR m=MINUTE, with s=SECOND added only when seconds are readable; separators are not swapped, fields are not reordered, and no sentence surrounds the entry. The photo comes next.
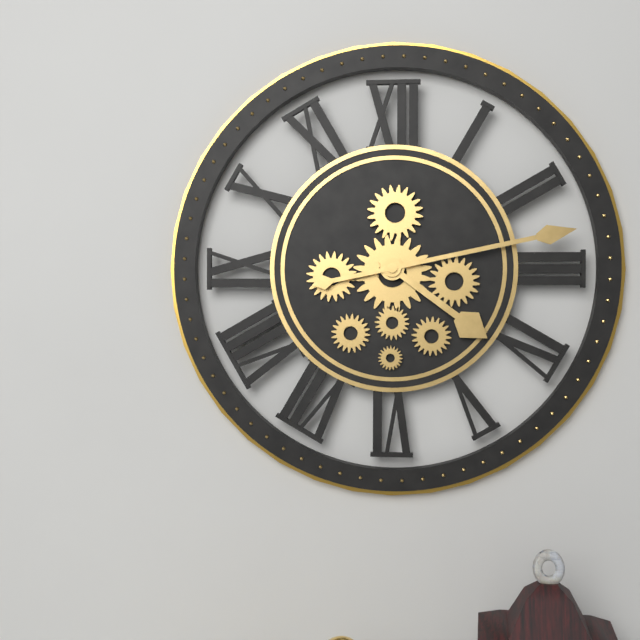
h=4 m=13
